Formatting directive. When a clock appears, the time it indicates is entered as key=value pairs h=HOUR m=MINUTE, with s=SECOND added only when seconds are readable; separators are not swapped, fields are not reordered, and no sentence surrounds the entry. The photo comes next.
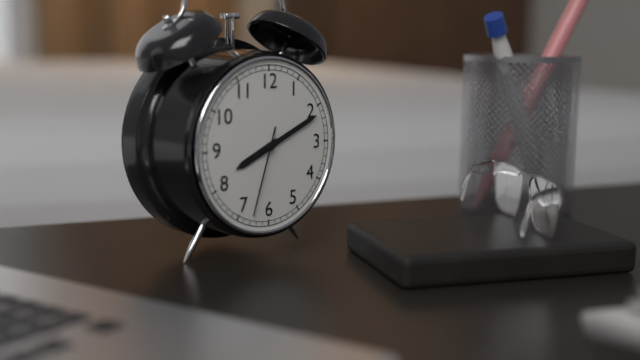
h=8 m=11 s=33
